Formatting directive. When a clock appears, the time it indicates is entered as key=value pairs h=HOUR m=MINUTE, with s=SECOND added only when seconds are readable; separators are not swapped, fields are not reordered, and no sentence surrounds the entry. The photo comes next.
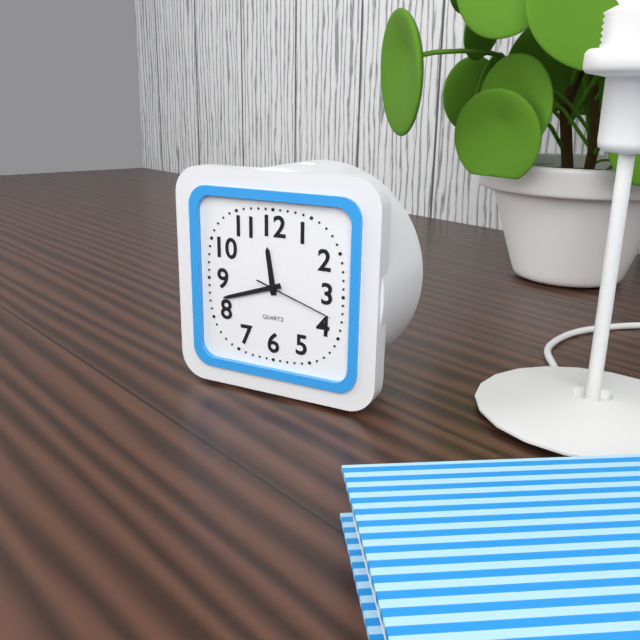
h=11 m=42 s=18
